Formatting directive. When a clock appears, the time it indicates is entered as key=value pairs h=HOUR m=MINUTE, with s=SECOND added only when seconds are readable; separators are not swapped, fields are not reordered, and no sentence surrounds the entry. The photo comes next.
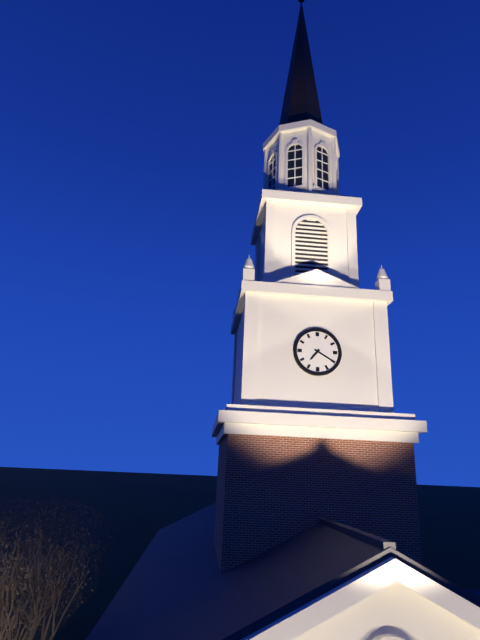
h=7 m=20
